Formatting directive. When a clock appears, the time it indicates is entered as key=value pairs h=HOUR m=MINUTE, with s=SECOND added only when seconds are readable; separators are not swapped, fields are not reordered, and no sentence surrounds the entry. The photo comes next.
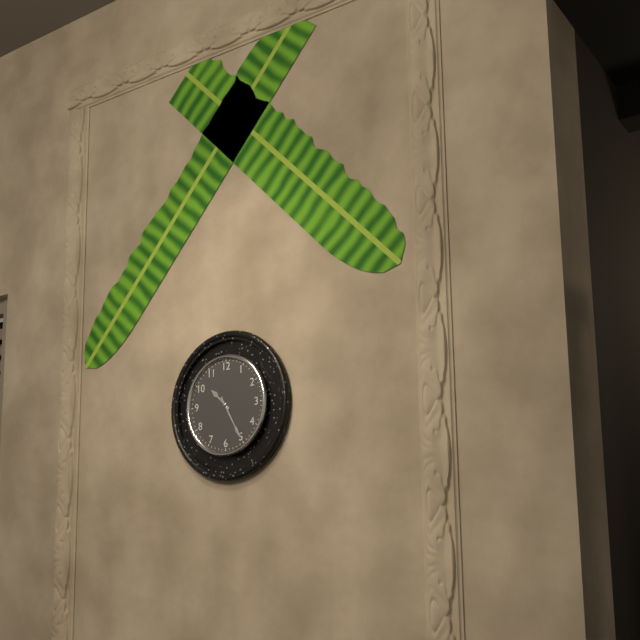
h=10 m=25
